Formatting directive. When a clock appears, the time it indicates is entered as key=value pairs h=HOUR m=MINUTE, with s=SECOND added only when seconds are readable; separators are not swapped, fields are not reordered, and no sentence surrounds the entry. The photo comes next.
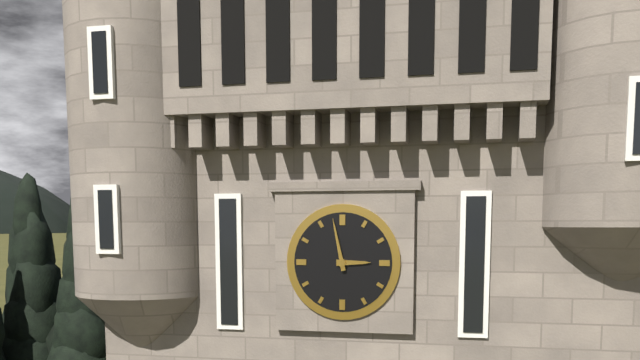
h=2 m=58
